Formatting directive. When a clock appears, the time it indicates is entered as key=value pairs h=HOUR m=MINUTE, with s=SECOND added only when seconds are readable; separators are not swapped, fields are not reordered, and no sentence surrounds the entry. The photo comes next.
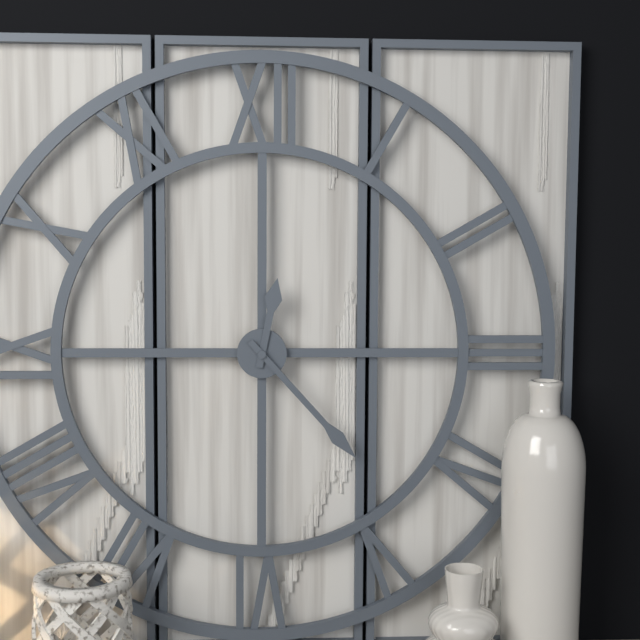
h=12 m=23
